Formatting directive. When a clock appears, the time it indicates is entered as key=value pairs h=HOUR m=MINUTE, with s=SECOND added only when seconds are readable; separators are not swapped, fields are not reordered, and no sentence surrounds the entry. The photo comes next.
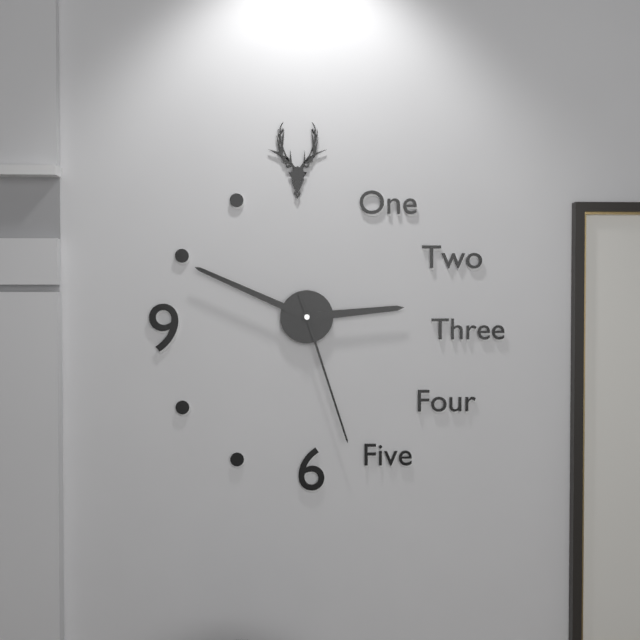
h=2 m=49 s=27
